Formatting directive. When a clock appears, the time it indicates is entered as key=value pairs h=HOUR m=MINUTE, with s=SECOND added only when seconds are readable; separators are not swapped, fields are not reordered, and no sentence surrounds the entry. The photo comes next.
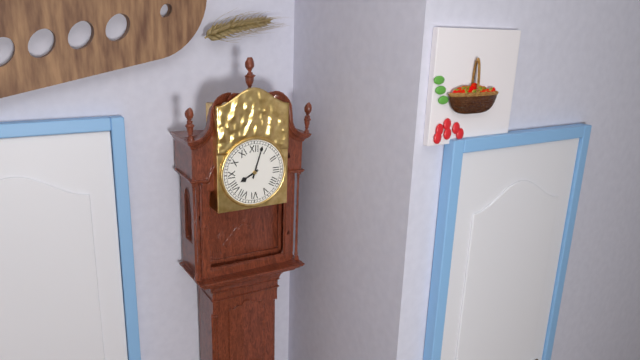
h=8 m=3
